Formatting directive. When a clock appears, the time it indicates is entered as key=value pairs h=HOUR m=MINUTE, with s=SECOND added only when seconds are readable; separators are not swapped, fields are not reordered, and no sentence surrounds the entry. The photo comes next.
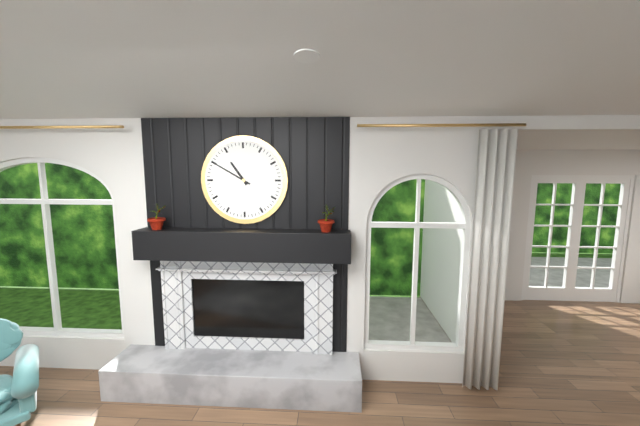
h=10 m=50
